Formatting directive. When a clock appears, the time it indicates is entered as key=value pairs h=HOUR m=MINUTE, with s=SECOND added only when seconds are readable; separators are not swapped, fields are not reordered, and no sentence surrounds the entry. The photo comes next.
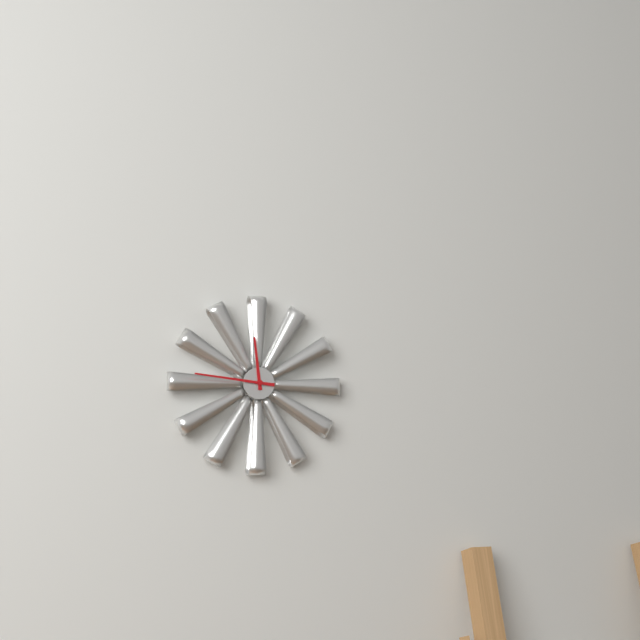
h=11 m=46
